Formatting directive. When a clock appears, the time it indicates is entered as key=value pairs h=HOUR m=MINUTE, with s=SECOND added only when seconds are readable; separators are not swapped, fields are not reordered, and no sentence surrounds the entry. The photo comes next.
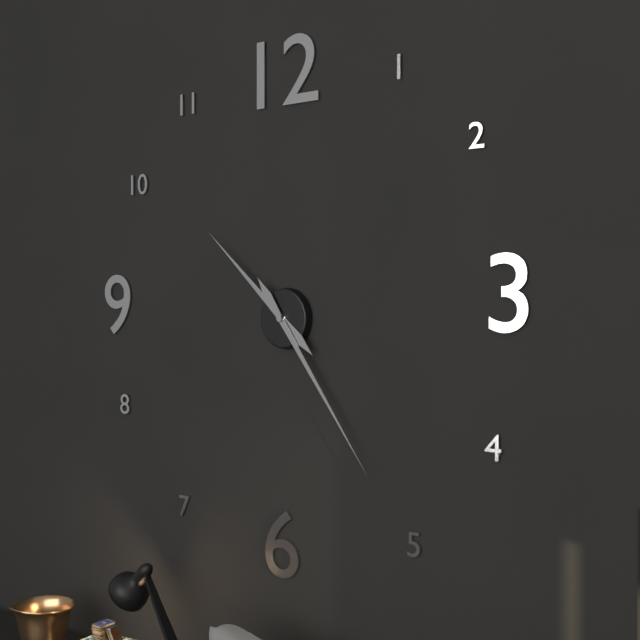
h=10 m=24
